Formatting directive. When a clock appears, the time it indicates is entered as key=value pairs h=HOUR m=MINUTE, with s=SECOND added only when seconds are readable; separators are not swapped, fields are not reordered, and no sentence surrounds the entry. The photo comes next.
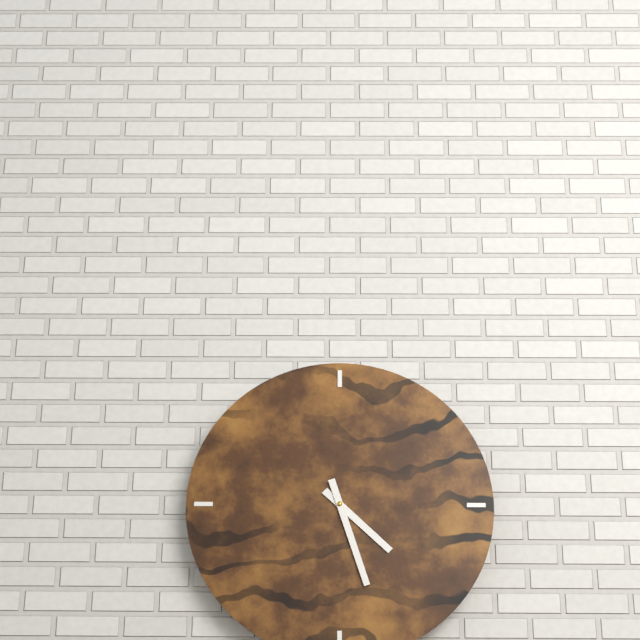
h=4 m=27
